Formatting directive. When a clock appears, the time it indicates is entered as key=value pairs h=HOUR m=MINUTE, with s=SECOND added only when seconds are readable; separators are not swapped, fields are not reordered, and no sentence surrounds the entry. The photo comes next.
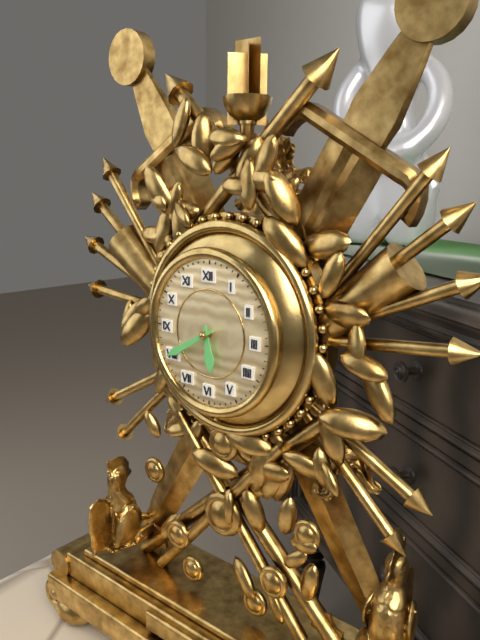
h=5 m=40
